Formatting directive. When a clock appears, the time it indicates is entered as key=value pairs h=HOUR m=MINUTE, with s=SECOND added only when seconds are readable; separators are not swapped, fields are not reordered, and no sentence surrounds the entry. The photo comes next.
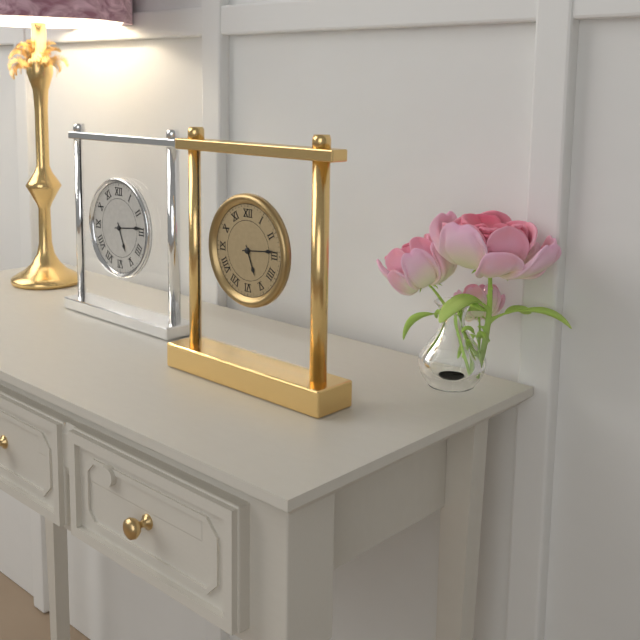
h=5 m=14
